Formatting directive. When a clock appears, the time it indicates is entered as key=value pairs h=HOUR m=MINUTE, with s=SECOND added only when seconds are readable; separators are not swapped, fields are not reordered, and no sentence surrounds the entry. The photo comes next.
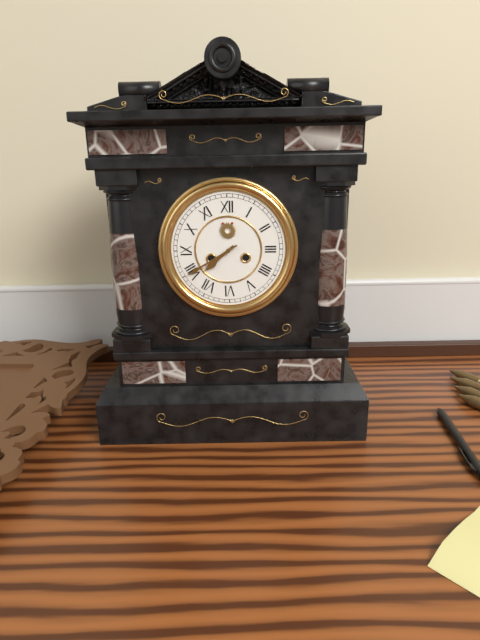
h=7 m=40
